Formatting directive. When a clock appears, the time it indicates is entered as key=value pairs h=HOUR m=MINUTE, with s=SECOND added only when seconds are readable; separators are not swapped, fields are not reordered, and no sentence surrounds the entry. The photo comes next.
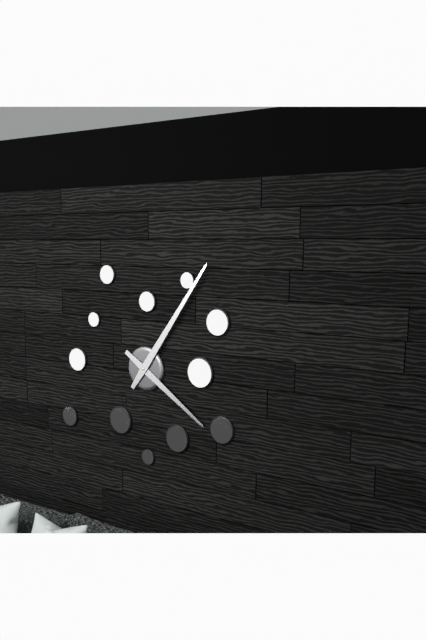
h=4 m=6
